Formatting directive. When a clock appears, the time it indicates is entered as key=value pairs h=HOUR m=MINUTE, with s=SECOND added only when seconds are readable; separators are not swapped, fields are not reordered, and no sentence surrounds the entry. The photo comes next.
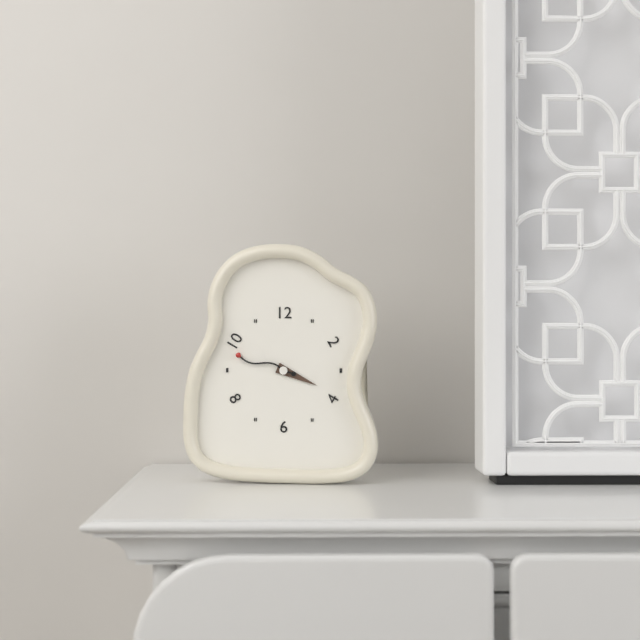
h=3 m=48
